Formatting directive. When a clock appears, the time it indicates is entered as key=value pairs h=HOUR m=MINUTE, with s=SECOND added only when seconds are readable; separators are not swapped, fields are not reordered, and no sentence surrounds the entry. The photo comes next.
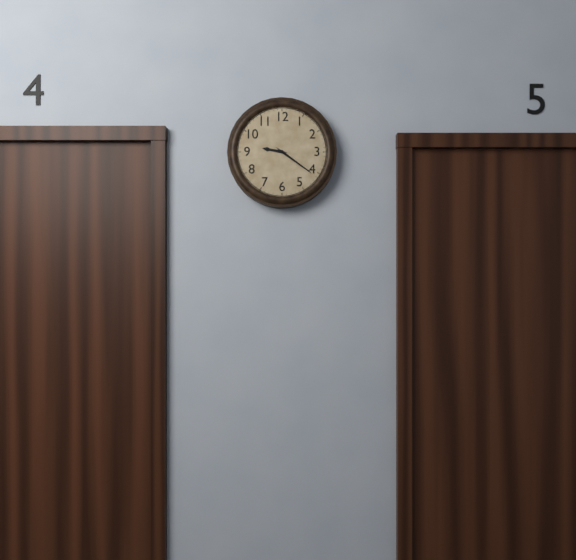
h=9 m=21
